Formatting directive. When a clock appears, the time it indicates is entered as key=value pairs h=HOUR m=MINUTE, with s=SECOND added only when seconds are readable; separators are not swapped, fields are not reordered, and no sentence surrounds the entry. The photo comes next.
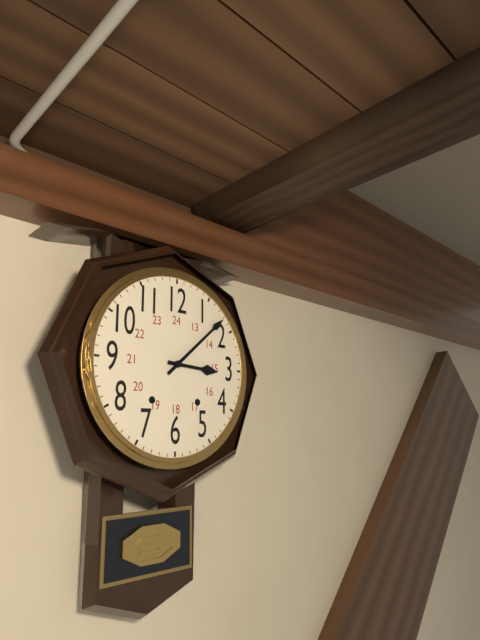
h=3 m=8
